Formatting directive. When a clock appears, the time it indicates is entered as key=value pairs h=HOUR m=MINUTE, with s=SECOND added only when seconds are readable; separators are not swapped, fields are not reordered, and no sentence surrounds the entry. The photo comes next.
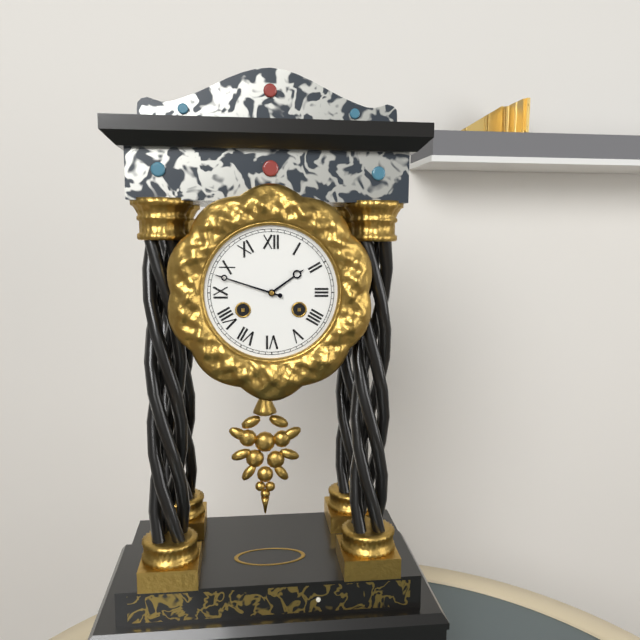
h=1 m=48
